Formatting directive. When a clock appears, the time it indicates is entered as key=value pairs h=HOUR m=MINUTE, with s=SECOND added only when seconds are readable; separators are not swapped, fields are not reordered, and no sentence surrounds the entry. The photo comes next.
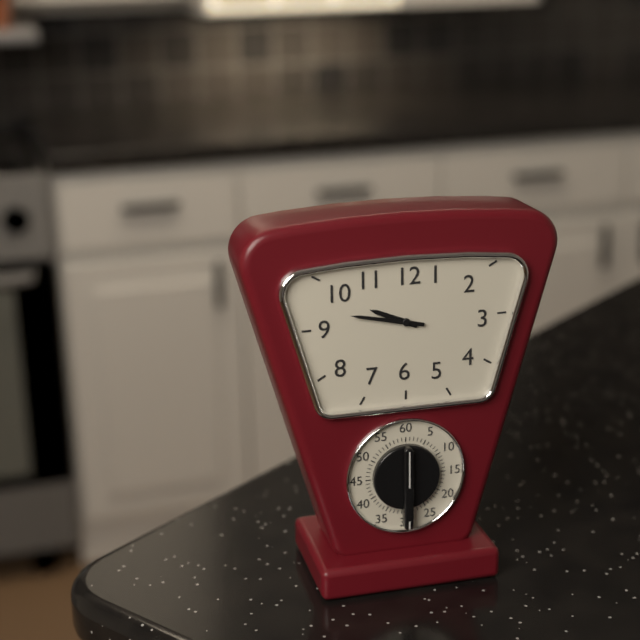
h=9 m=47
